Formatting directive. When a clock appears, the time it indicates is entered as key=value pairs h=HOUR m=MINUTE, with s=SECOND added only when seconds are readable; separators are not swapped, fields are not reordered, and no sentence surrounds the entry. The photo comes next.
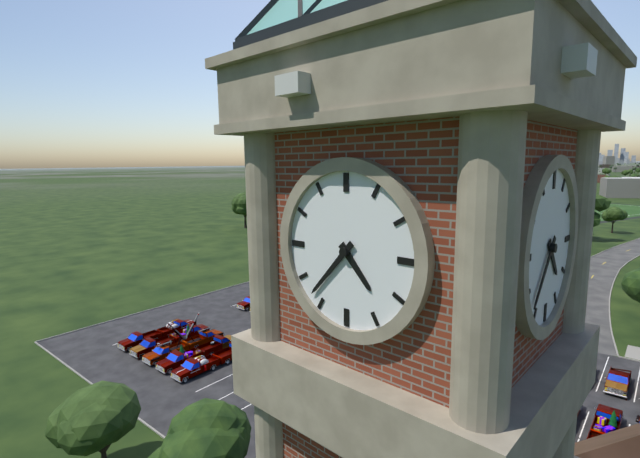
h=4 m=37
